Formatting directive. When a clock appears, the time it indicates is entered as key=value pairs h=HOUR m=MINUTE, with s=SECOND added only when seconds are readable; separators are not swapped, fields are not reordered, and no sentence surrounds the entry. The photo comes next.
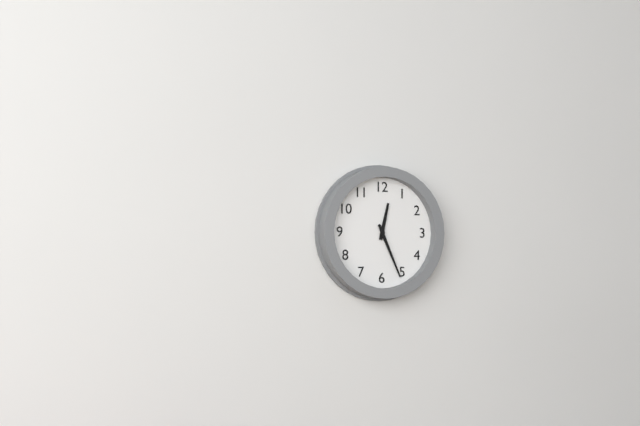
h=12 m=26
